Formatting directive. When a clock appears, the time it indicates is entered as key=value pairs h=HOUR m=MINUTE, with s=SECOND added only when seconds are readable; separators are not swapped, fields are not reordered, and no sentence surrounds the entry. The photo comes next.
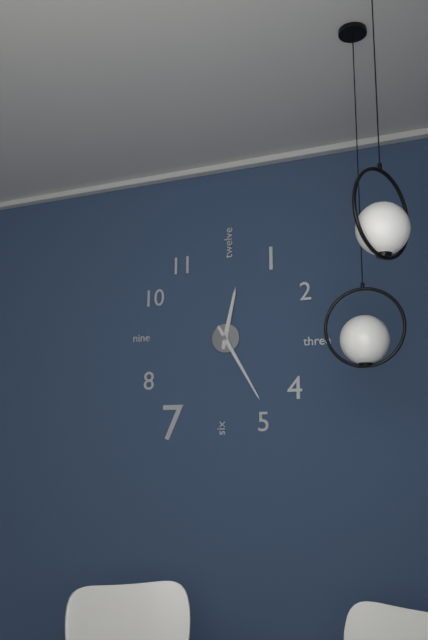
h=12 m=25
